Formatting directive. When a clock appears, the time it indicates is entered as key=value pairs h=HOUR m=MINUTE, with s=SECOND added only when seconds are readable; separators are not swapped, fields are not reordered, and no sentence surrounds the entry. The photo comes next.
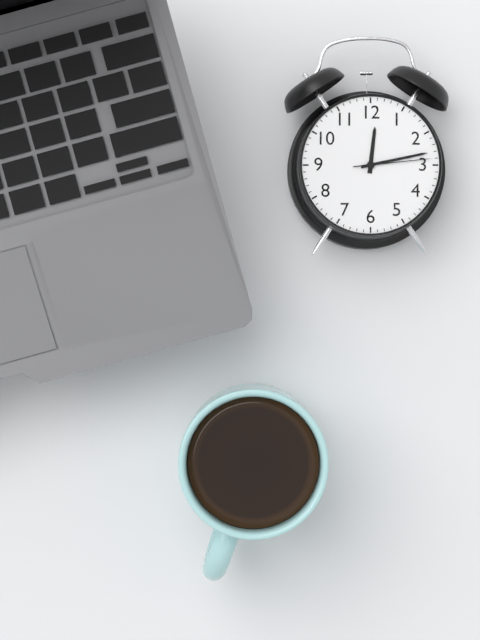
h=12 m=13 s=14
